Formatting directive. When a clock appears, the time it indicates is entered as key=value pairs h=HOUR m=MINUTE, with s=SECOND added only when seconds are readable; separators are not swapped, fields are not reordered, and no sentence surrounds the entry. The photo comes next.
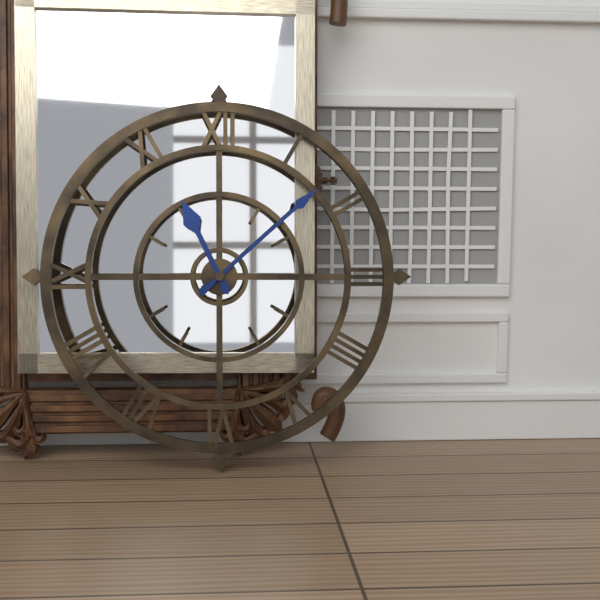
h=11 m=8
